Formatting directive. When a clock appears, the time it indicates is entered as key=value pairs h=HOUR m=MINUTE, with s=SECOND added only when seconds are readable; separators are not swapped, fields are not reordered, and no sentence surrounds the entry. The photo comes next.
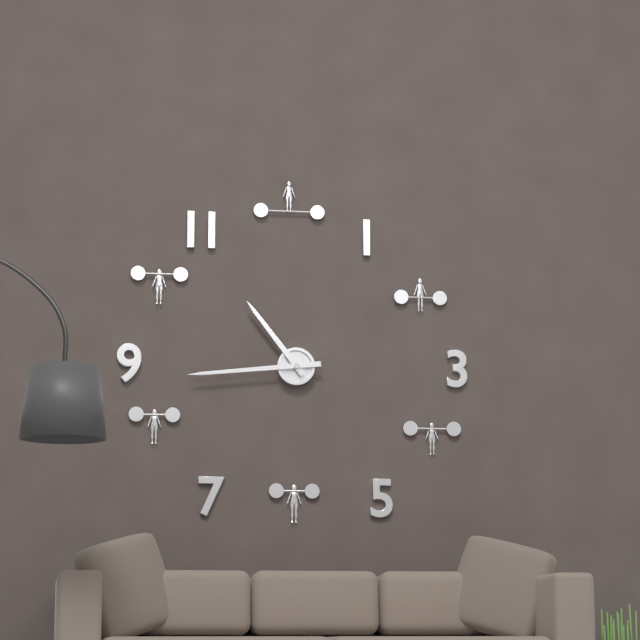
h=10 m=44
